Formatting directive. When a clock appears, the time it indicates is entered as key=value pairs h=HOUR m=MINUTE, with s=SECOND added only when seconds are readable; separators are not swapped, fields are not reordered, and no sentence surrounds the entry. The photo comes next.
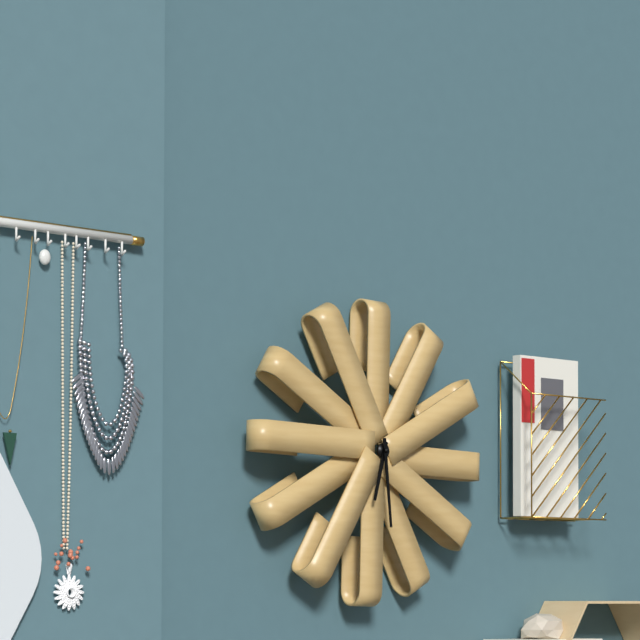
h=6 m=29
